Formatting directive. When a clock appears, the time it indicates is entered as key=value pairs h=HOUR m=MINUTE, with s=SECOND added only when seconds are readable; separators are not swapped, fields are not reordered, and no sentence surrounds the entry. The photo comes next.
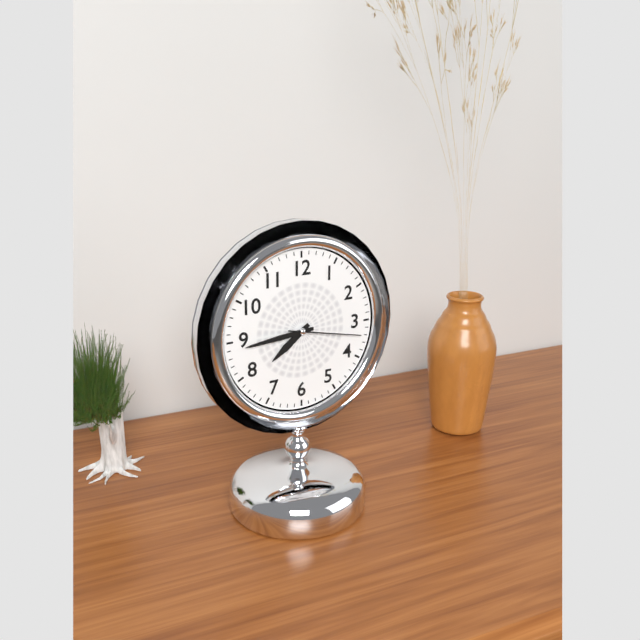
h=7 m=44 s=17
